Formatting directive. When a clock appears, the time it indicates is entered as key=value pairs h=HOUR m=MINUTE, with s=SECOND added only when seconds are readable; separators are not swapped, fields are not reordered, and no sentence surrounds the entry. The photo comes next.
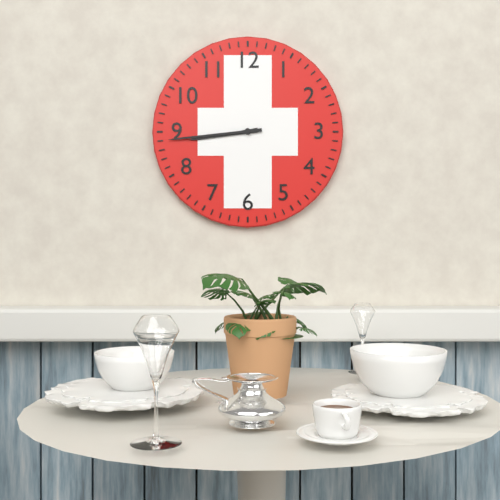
h=8 m=44
